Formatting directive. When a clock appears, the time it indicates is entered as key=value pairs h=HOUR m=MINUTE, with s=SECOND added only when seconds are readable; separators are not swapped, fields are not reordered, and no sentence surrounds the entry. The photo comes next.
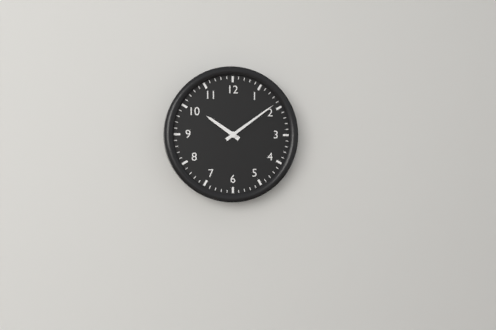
h=10 m=9
